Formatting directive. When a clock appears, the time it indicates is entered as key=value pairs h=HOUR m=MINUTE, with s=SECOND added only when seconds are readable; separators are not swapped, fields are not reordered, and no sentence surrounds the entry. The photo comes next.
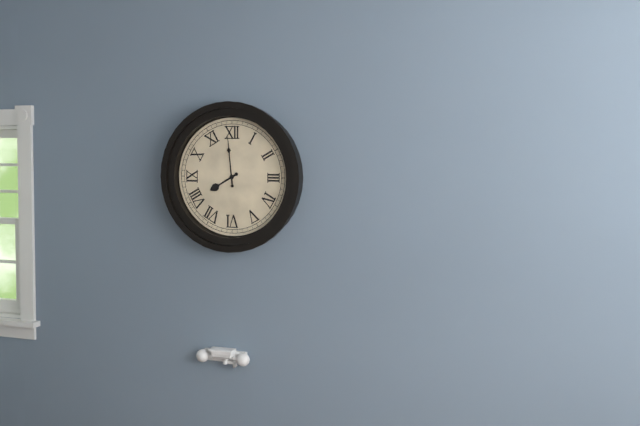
h=7 m=59
